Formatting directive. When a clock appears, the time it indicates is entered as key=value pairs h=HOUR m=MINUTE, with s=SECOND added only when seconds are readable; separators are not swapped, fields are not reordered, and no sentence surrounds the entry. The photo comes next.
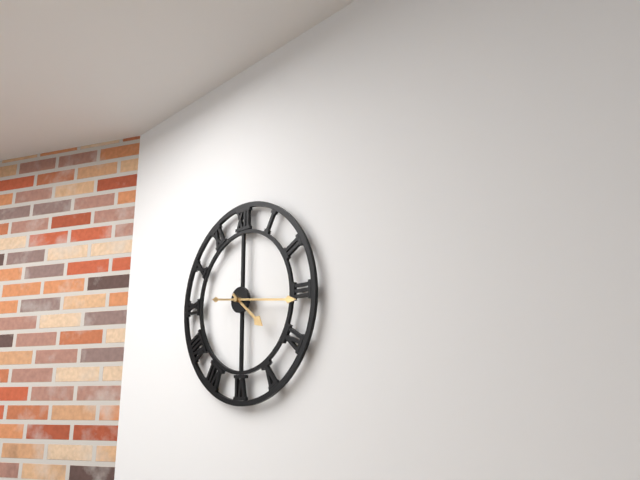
h=4 m=16
